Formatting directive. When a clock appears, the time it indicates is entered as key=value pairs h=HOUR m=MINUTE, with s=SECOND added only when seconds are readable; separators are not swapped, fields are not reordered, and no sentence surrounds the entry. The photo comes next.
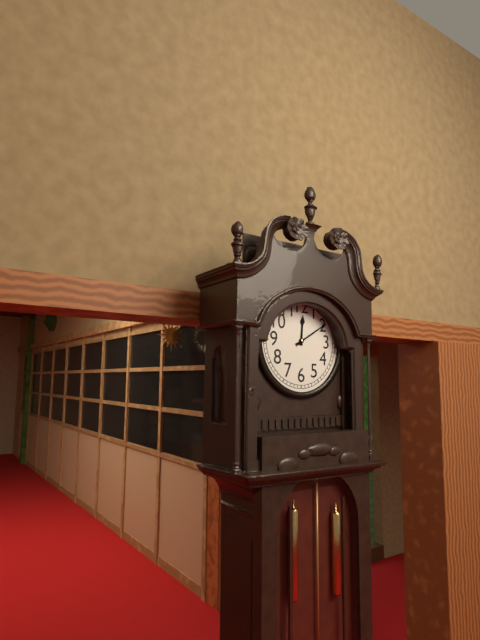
h=12 m=10
